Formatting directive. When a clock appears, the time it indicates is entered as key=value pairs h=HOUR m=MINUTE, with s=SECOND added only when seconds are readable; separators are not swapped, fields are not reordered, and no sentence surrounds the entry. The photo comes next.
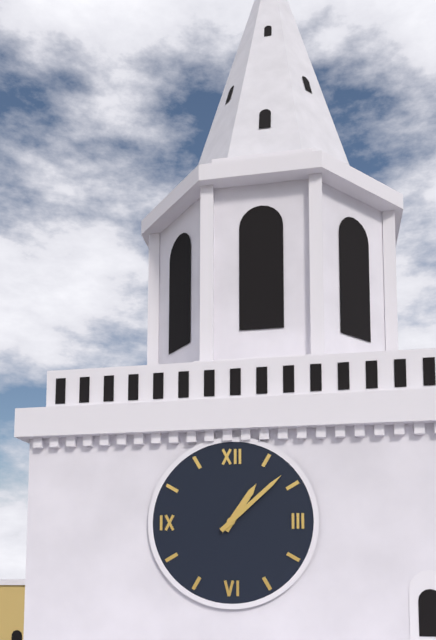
h=1 m=8
